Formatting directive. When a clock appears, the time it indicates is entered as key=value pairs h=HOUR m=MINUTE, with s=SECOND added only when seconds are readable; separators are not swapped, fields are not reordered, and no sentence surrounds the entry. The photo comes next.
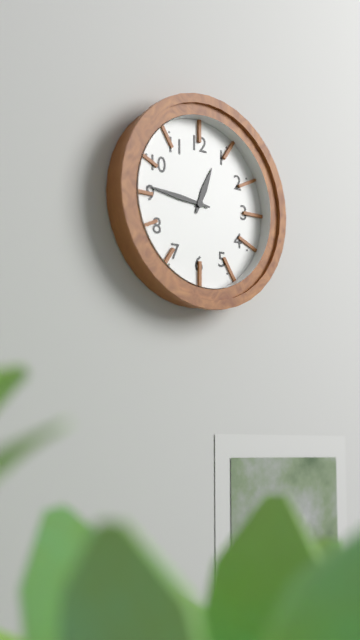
h=12 m=46
